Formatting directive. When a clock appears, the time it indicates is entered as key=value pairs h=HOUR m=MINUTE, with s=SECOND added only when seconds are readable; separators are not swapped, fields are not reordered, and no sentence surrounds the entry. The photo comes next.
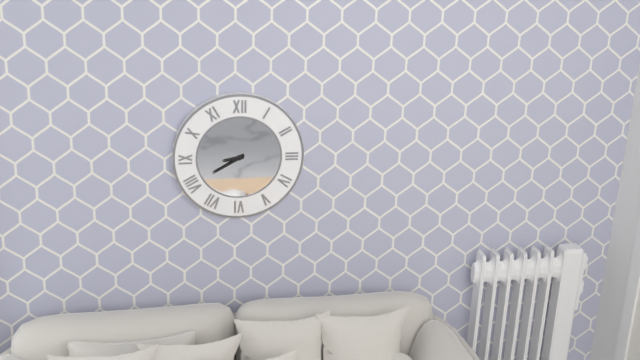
h=8 m=40
